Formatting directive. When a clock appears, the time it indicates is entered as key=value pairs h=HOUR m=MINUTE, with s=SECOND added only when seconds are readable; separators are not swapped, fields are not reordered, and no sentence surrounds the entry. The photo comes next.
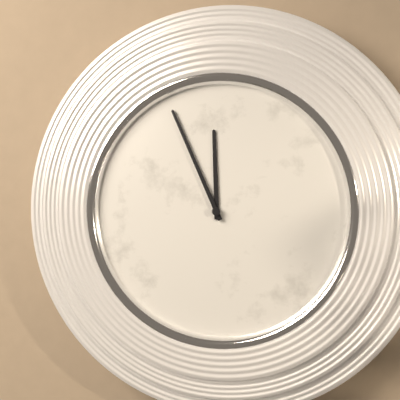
h=11 m=56
